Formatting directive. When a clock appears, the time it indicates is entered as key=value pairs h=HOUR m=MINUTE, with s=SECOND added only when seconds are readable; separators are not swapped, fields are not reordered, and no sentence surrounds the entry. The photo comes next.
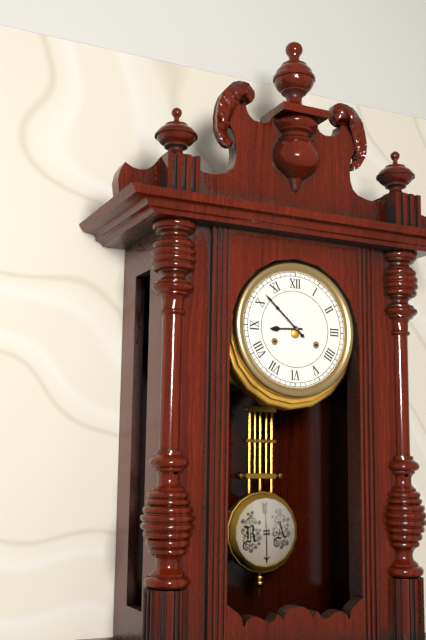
h=8 m=52
